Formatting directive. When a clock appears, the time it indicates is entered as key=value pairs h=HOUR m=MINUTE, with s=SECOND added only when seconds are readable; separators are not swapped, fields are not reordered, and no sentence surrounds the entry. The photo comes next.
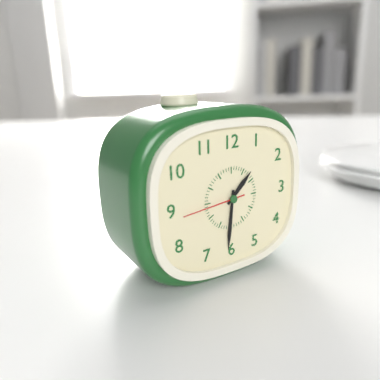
h=1 m=31 s=44
